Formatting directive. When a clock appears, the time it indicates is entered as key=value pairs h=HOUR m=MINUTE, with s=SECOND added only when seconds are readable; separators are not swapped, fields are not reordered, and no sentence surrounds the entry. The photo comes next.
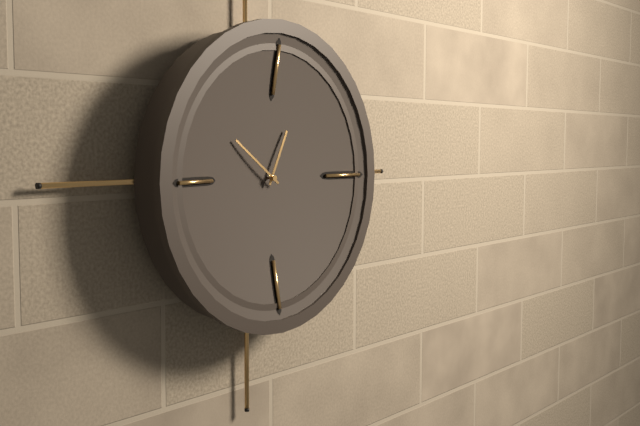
h=12 m=51
